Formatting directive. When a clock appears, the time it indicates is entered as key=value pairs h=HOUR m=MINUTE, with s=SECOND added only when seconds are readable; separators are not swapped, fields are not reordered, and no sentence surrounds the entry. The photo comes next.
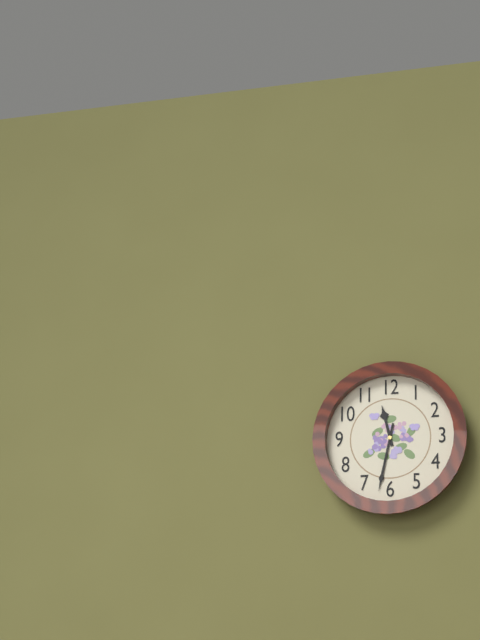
h=11 m=32
